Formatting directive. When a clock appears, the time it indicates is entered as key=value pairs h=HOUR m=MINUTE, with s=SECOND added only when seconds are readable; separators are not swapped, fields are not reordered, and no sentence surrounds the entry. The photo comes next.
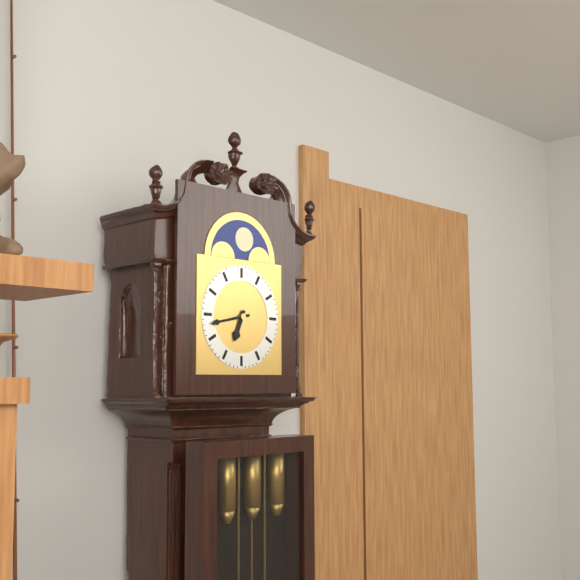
h=6 m=43
